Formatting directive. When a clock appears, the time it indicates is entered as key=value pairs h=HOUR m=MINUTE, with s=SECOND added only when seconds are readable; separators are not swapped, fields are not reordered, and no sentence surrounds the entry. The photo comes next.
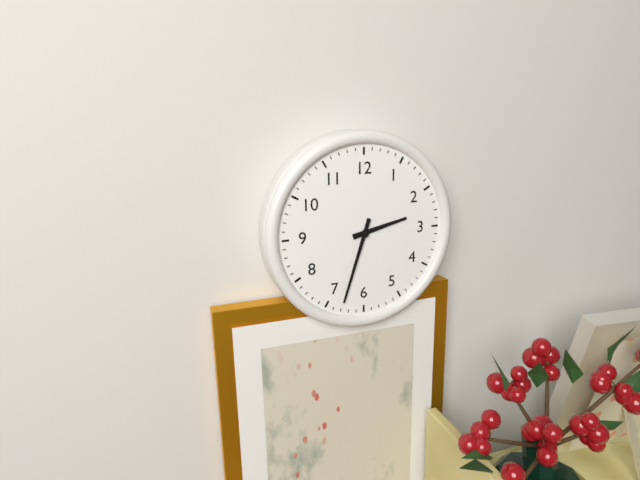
h=2 m=33
